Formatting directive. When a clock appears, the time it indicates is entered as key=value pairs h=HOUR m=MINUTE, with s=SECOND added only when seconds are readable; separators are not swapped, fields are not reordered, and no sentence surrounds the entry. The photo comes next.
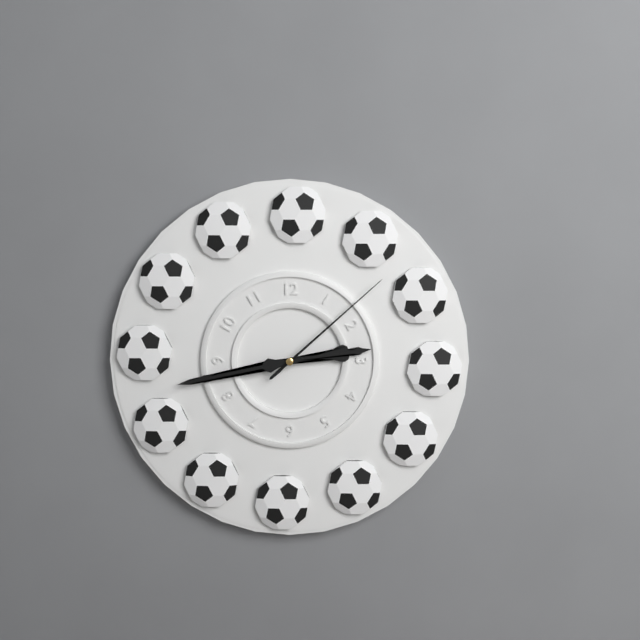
h=2 m=43 s=8
